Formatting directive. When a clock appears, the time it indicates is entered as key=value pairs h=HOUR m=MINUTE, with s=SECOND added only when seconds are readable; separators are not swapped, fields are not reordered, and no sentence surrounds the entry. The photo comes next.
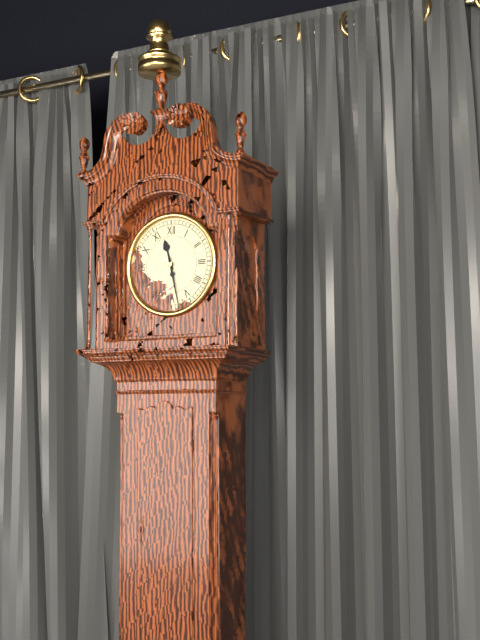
h=11 m=28
